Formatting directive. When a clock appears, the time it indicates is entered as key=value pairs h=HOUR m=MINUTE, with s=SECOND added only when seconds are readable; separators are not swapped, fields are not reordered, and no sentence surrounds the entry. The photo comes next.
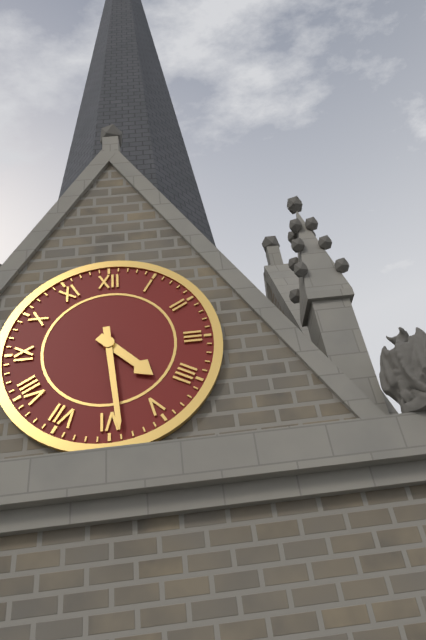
h=4 m=29
